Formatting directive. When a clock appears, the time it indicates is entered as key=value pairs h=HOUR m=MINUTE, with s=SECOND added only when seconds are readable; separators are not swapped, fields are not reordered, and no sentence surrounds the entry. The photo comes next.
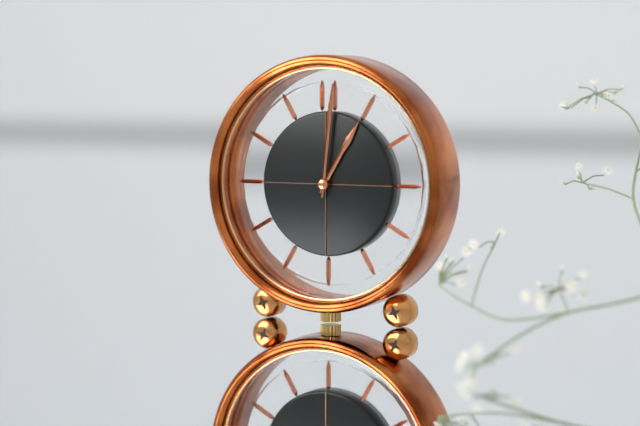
h=1 m=1
